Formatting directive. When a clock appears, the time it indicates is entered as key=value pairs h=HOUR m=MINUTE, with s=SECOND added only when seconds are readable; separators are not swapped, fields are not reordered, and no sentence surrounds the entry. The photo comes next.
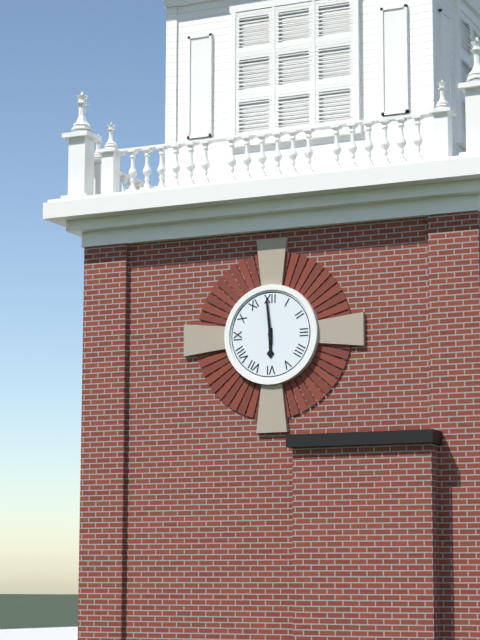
h=5 m=59
